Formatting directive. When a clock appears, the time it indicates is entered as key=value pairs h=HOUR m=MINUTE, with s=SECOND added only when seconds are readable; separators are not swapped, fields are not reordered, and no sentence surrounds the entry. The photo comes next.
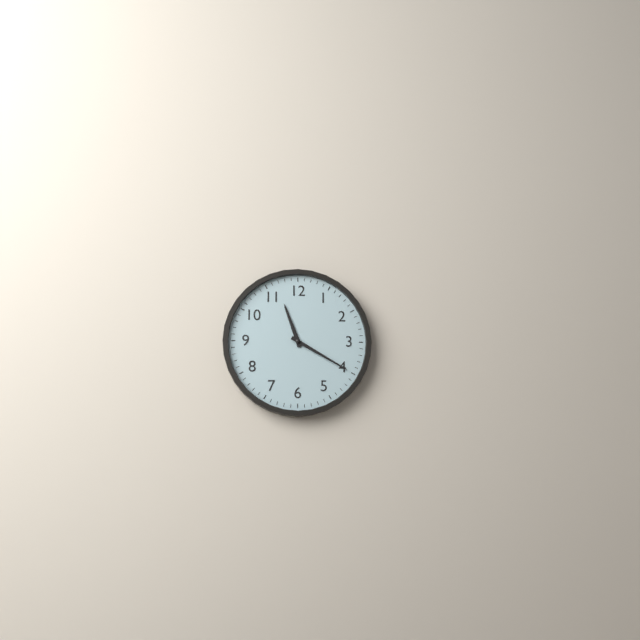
h=11 m=20
